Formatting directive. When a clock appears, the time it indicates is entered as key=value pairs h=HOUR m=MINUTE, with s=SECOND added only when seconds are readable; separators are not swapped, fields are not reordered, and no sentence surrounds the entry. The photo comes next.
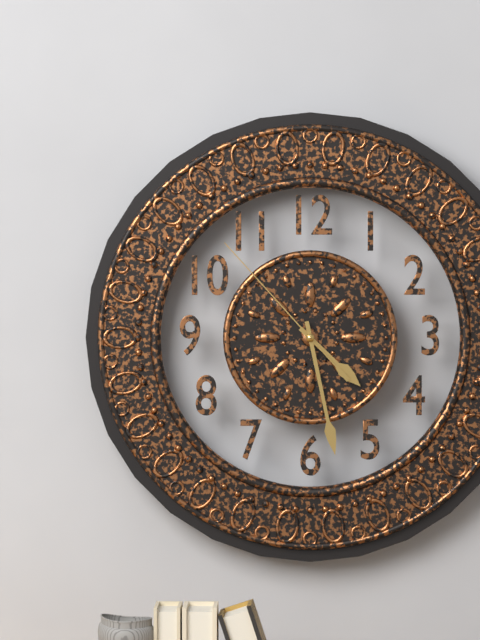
h=4 m=28 s=53
